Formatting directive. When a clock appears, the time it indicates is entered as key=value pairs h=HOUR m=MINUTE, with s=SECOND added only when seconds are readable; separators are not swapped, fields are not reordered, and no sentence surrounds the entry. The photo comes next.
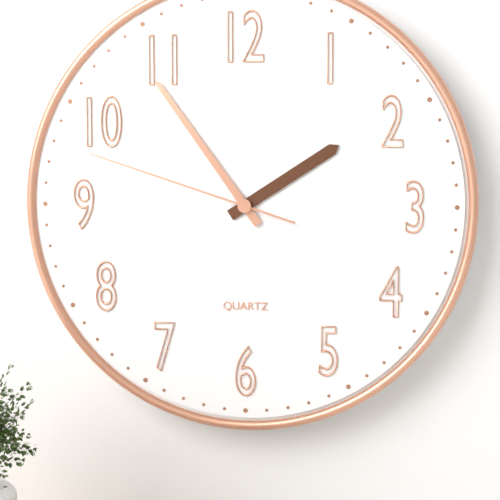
h=1 m=54 s=48
